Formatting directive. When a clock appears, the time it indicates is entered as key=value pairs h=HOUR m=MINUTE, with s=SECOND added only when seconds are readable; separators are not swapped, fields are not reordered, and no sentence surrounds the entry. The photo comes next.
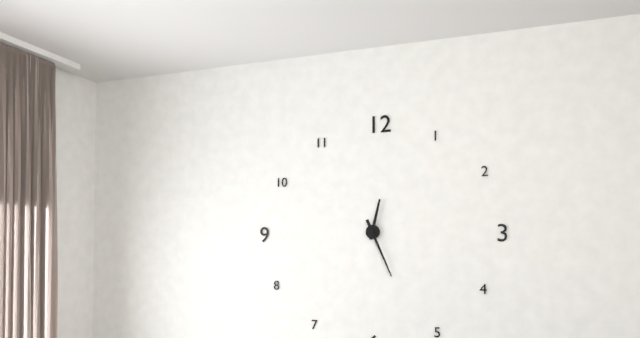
h=12 m=26
